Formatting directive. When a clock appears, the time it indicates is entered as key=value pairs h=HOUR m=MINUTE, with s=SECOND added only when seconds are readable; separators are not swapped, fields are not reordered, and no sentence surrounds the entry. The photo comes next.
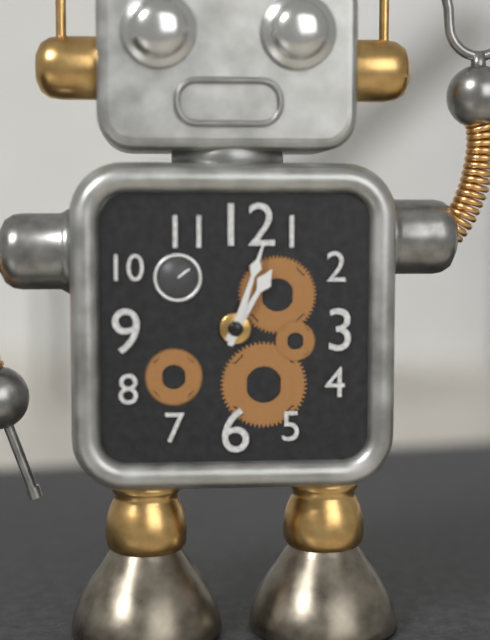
h=1 m=3
